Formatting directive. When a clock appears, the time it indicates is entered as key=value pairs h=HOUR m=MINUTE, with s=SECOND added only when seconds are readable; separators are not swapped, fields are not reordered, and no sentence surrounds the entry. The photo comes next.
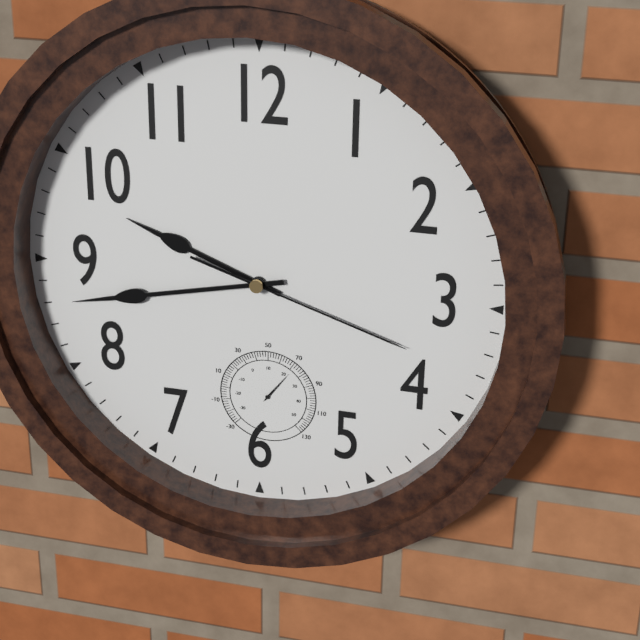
h=9 m=43 s=18
